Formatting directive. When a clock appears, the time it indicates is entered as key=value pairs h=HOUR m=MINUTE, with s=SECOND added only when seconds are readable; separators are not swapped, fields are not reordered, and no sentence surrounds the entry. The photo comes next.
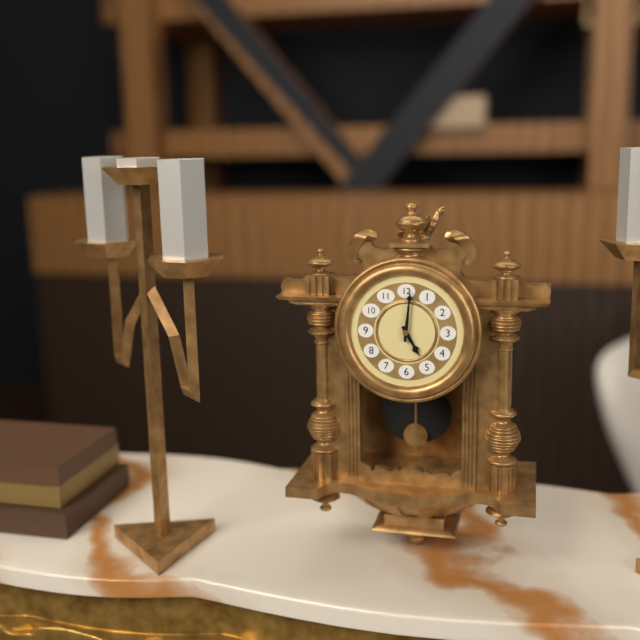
h=5 m=1
